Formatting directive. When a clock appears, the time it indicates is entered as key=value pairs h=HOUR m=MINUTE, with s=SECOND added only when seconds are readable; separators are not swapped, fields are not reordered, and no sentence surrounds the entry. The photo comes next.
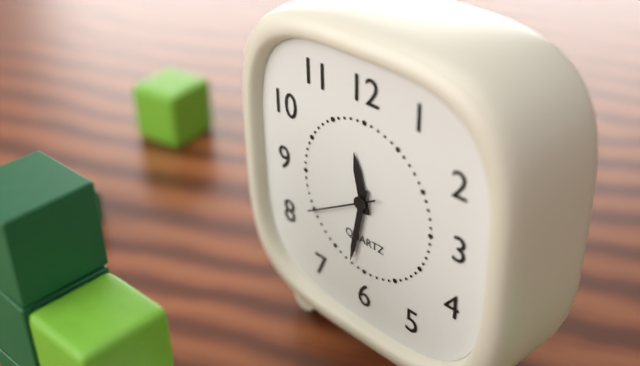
h=11 m=32 s=40
